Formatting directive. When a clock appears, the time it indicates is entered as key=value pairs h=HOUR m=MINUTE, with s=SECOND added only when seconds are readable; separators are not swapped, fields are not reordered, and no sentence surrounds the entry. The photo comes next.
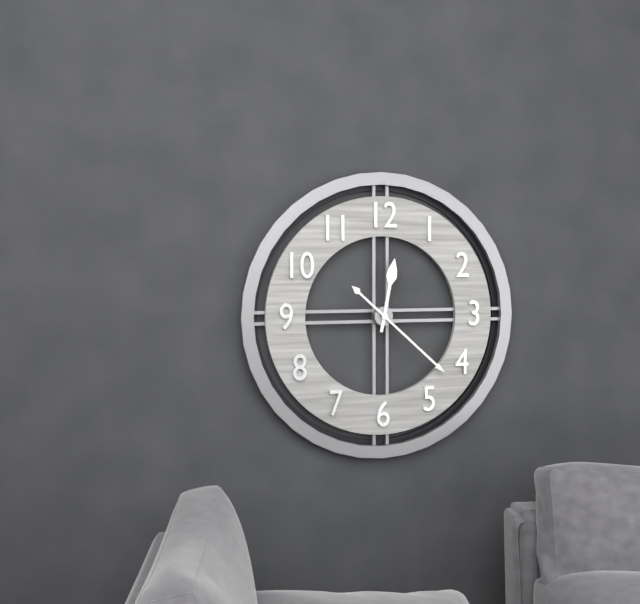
h=12 m=22
